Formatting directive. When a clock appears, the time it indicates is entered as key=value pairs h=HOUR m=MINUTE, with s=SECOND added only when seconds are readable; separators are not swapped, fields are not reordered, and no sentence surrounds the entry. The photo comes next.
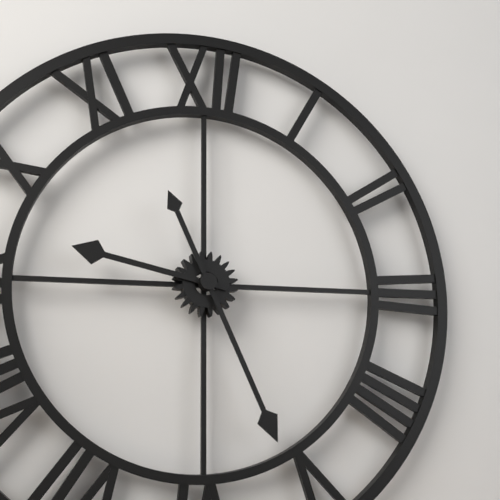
h=9 m=26
